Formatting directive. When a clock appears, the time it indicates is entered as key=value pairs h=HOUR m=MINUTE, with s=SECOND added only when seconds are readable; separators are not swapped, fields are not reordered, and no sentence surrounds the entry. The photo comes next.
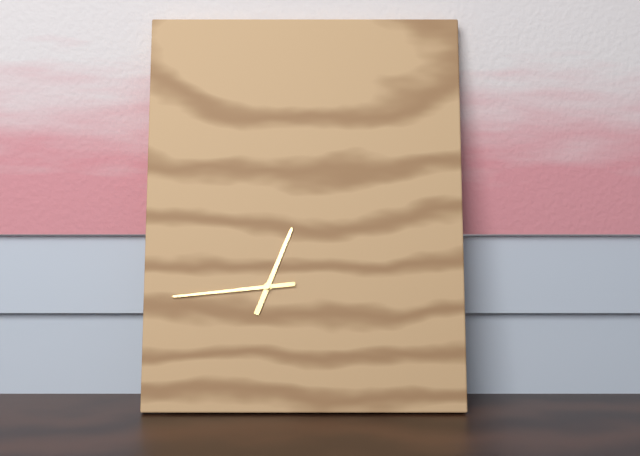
h=12 m=44
